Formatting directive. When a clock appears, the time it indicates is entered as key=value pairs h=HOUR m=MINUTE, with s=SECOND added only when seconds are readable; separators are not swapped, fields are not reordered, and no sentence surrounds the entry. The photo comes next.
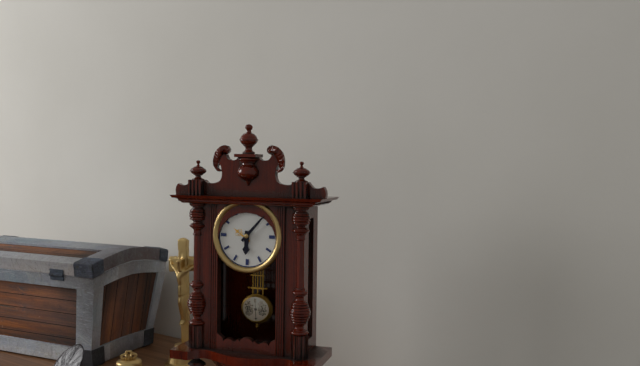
h=6 m=7
